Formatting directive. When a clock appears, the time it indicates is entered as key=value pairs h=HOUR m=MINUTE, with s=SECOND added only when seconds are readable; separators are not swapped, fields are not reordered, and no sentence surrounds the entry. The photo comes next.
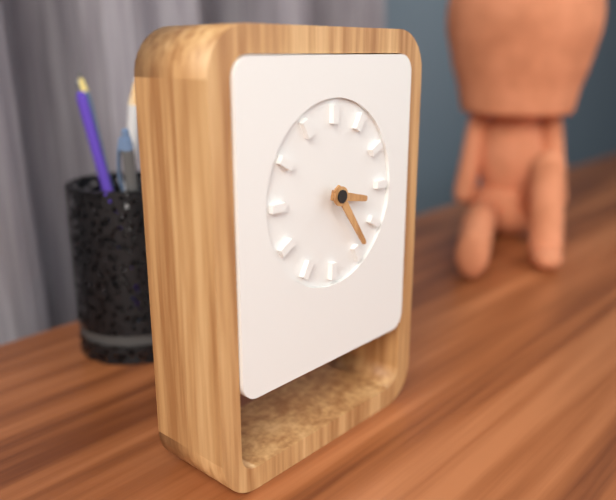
h=3 m=24
